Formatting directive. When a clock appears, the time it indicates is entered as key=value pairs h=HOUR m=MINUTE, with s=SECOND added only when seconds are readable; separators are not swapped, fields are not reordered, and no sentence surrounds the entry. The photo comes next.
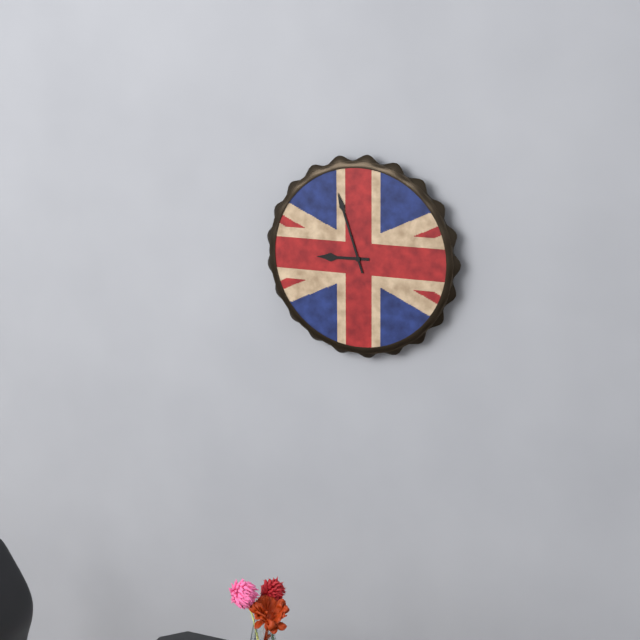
h=8 m=57
